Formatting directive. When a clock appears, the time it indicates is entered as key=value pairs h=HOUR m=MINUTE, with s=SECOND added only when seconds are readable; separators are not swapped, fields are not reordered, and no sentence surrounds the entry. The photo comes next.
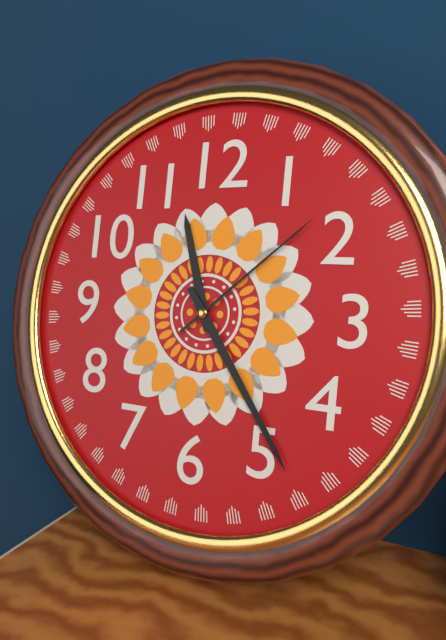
h=11 m=24 s=8
